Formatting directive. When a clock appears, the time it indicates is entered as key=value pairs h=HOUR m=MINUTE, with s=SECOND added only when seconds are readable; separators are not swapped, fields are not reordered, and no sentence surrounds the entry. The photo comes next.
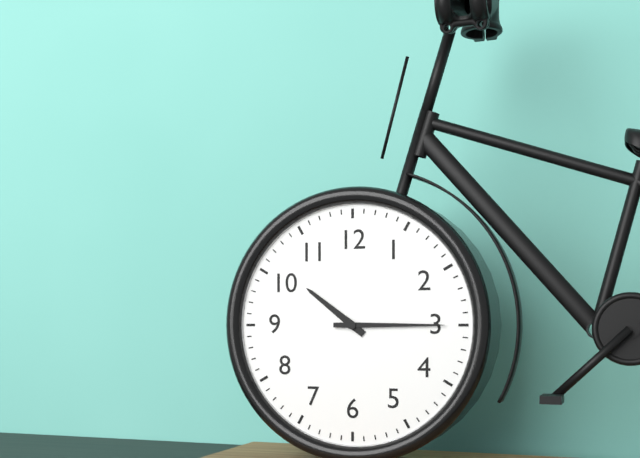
h=10 m=15
